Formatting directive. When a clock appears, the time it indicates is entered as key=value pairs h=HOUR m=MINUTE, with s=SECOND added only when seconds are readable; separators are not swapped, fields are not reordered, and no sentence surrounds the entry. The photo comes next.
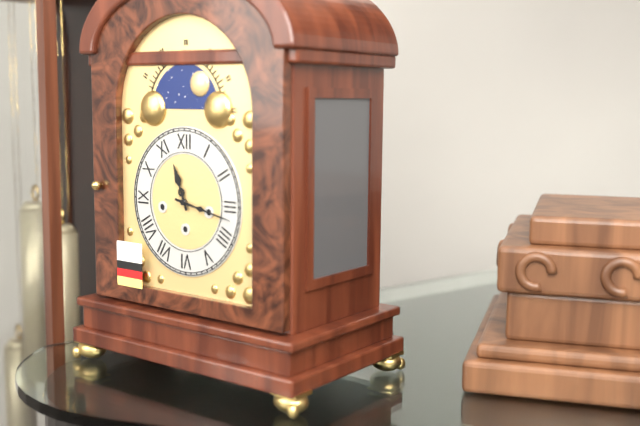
h=11 m=17
